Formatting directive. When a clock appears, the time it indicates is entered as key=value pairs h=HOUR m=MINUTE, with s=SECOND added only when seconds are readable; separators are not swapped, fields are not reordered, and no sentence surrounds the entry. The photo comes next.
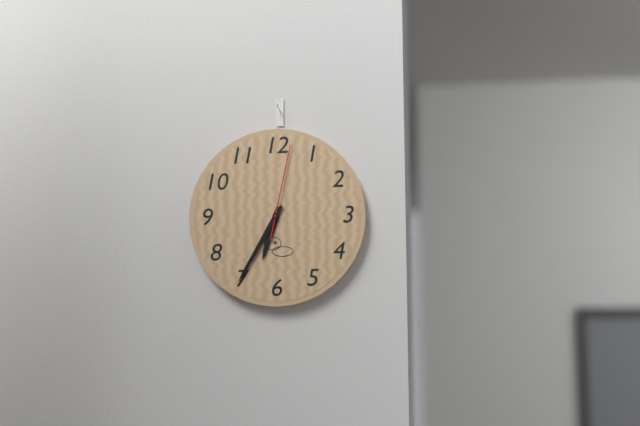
h=6 m=35 s=2
